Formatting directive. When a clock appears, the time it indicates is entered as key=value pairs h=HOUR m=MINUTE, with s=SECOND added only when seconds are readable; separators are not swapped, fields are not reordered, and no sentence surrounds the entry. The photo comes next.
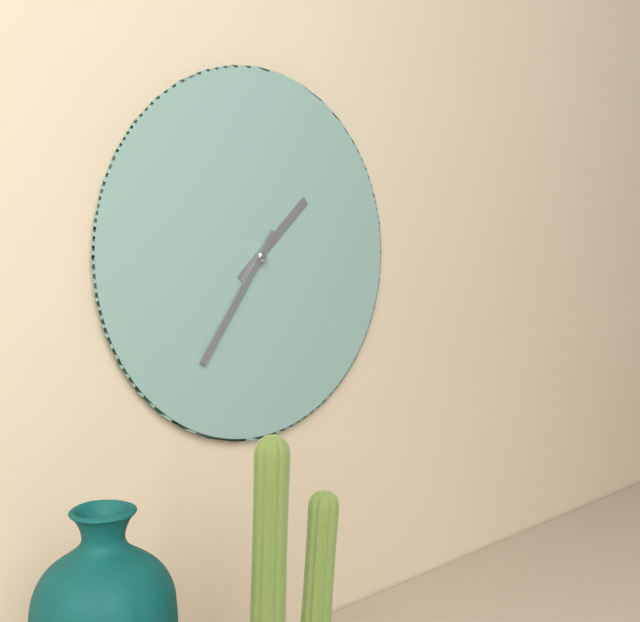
h=1 m=36
